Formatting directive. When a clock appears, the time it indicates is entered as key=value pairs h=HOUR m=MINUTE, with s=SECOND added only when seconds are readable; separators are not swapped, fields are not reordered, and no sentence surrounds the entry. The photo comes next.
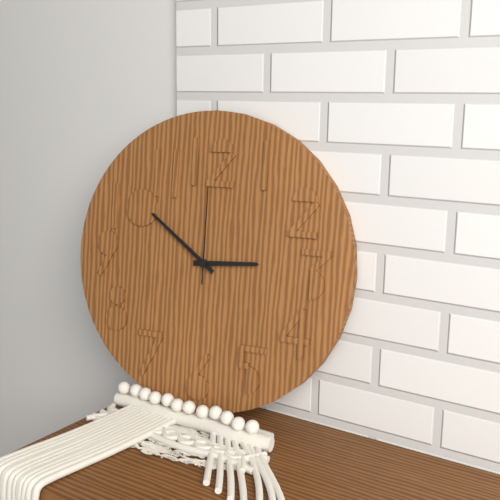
h=2 m=51 s=0
